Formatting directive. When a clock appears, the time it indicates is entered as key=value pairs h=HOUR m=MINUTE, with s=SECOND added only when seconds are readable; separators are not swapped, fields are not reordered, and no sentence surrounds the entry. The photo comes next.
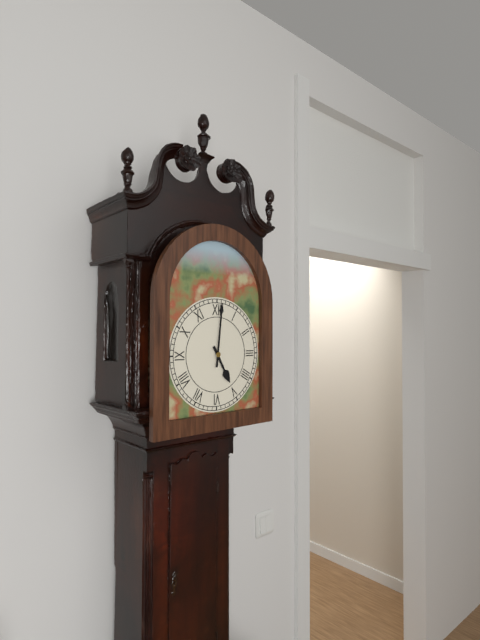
h=5 m=1
